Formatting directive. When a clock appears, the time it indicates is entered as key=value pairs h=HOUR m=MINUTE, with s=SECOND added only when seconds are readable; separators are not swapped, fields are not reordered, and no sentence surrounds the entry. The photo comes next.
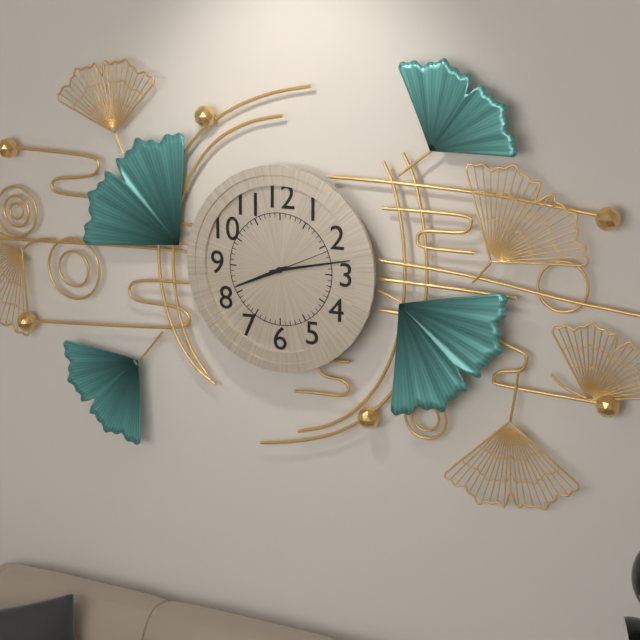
h=8 m=13 s=11
